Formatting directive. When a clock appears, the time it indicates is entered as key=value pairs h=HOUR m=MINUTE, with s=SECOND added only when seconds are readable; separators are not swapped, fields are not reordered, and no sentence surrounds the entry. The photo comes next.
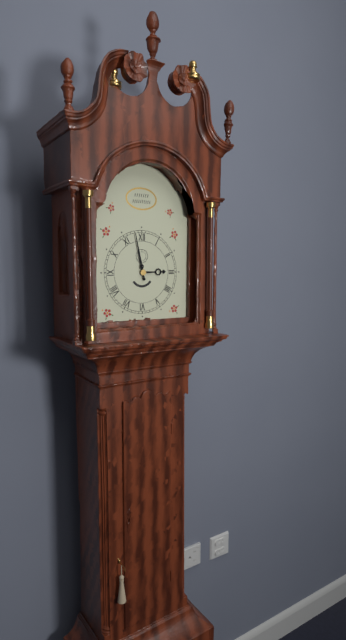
h=2 m=58
